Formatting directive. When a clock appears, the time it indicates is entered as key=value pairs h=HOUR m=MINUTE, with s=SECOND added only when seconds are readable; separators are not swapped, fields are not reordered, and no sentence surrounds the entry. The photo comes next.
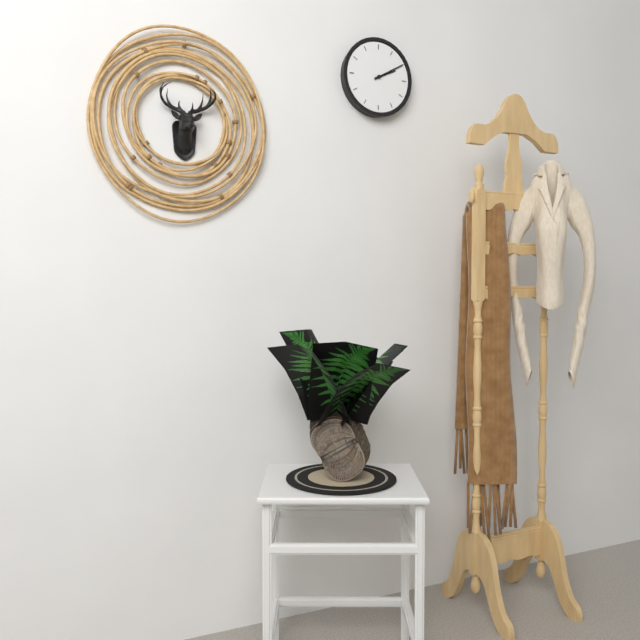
h=2 m=10
